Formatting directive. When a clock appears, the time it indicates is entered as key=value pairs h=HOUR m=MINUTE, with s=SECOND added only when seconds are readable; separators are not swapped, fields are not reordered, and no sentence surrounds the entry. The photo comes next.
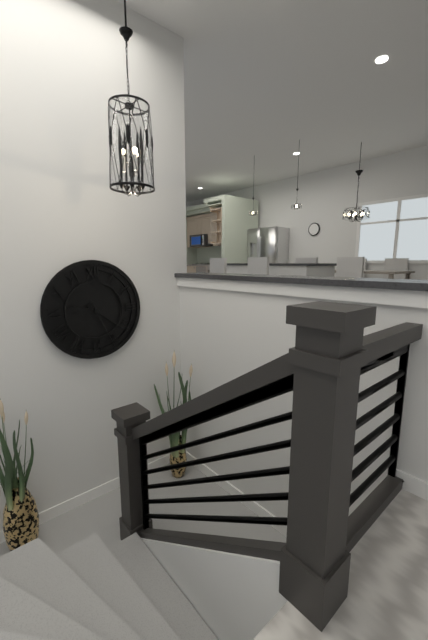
h=9 m=21 s=26
